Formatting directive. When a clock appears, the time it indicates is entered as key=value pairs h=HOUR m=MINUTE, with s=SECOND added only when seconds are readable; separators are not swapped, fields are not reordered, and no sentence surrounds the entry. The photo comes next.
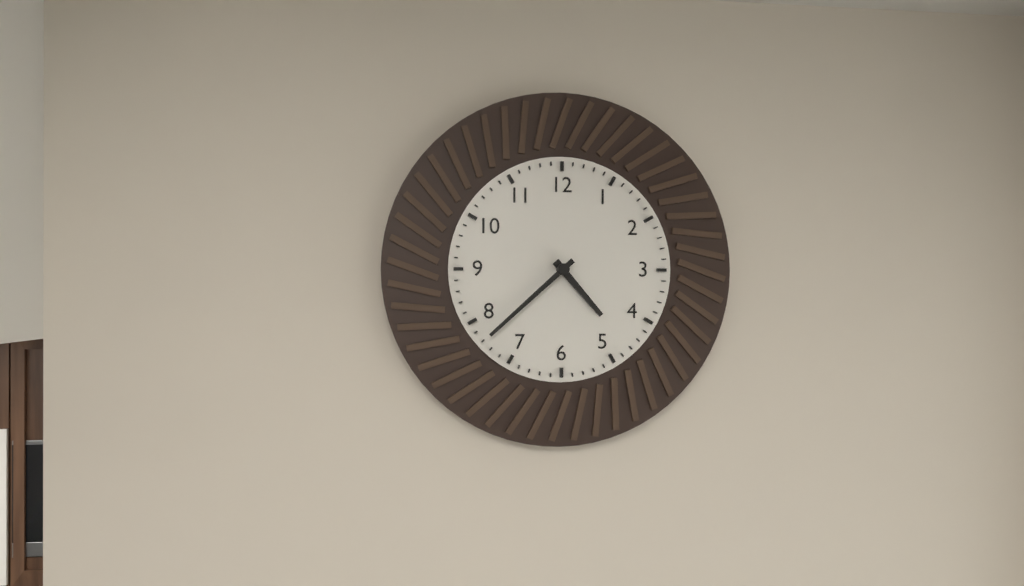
h=4 m=38
